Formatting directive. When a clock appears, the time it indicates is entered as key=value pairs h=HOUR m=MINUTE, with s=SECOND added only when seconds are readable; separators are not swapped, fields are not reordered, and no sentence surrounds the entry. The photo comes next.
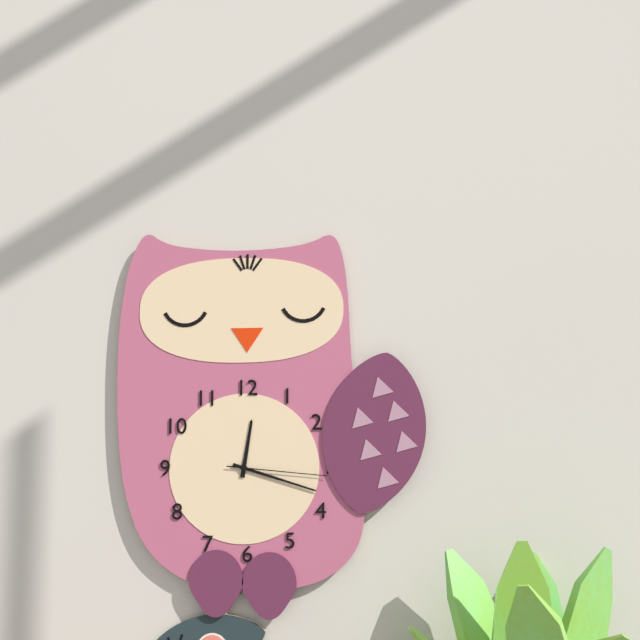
h=12 m=18 s=16
